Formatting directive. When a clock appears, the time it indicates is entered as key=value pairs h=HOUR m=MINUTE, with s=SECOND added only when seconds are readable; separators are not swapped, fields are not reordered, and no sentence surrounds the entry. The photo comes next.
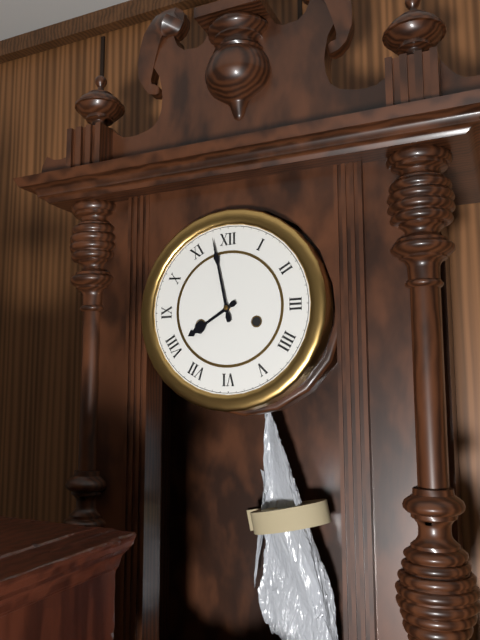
h=7 m=58
